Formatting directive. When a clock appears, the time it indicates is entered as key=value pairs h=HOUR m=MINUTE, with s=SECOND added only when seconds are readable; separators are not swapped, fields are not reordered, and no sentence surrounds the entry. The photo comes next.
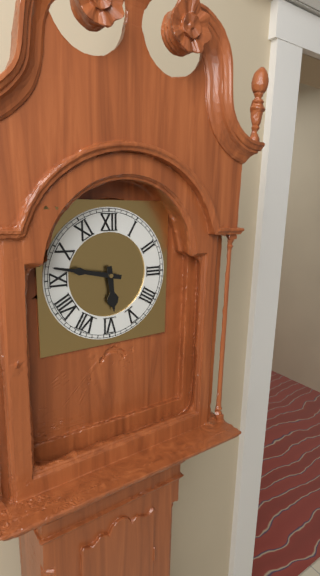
h=5 m=47
